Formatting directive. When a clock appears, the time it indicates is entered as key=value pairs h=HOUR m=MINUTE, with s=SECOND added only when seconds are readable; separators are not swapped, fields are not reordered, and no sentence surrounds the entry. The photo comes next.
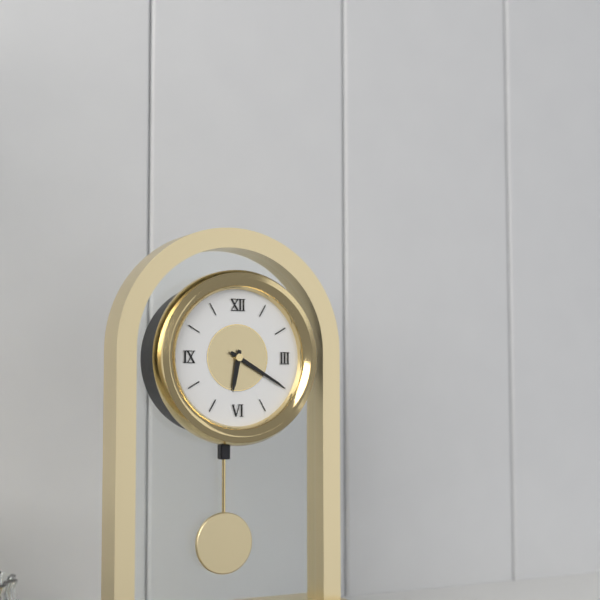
h=6 m=20
